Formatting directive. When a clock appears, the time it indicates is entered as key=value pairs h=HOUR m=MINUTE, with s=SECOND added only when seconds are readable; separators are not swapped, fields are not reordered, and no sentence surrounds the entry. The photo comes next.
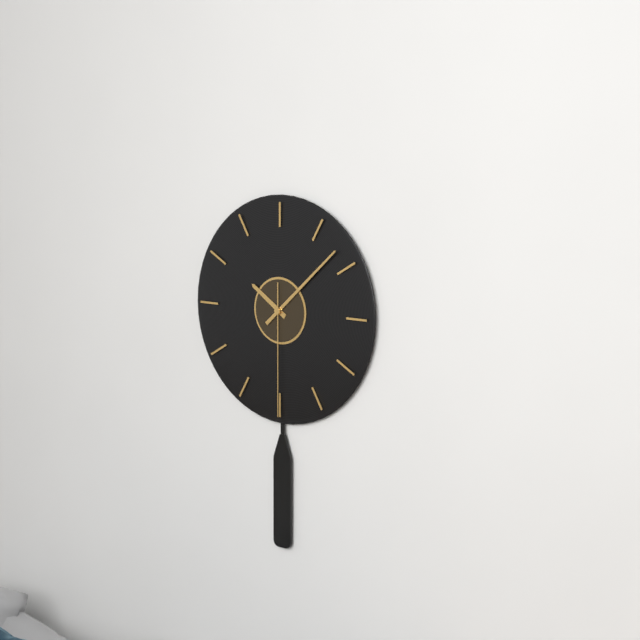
h=10 m=8 s=30
